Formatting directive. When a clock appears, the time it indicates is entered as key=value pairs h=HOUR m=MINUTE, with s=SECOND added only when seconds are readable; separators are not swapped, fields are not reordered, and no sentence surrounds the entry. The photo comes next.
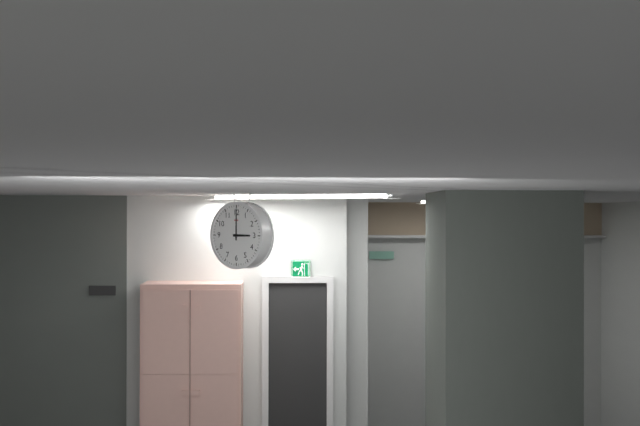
h=3 m=0
